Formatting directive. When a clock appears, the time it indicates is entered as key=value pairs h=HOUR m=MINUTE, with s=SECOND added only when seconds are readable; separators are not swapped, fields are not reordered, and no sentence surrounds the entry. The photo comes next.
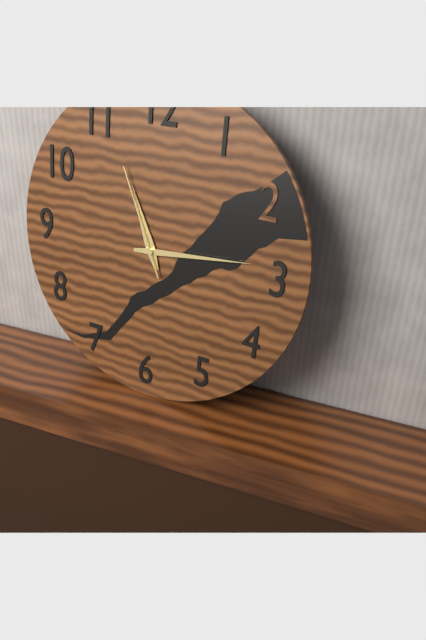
h=11 m=14 s=56
